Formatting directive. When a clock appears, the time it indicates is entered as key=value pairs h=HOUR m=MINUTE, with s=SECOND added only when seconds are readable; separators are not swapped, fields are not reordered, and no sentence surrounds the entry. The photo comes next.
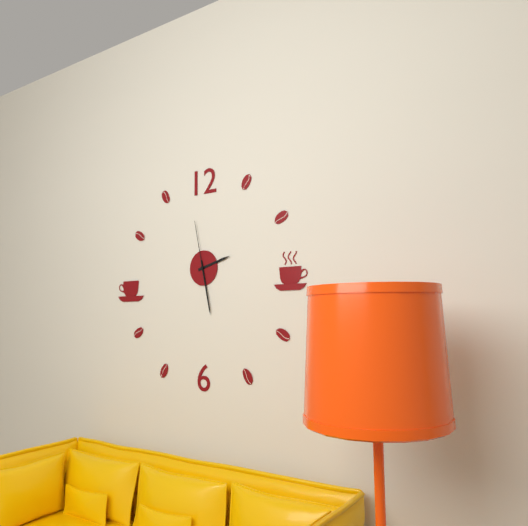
h=2 m=28 s=58
